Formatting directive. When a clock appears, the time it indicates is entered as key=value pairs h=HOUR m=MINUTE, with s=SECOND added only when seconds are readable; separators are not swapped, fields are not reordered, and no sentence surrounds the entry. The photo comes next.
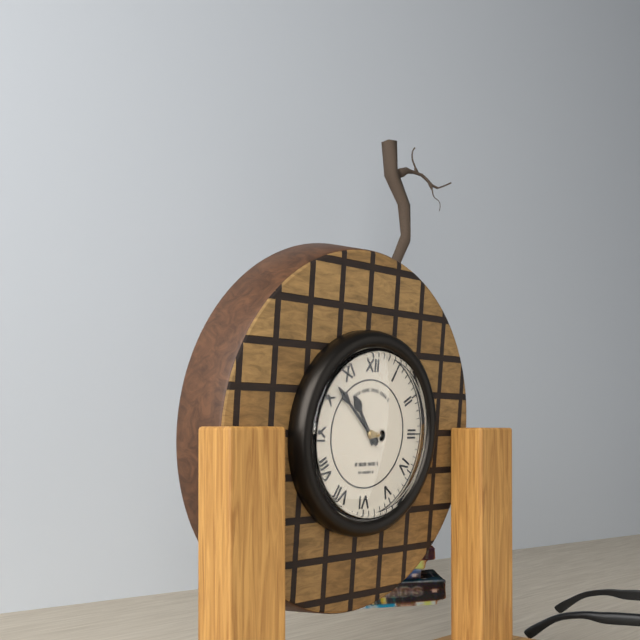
h=10 m=52
